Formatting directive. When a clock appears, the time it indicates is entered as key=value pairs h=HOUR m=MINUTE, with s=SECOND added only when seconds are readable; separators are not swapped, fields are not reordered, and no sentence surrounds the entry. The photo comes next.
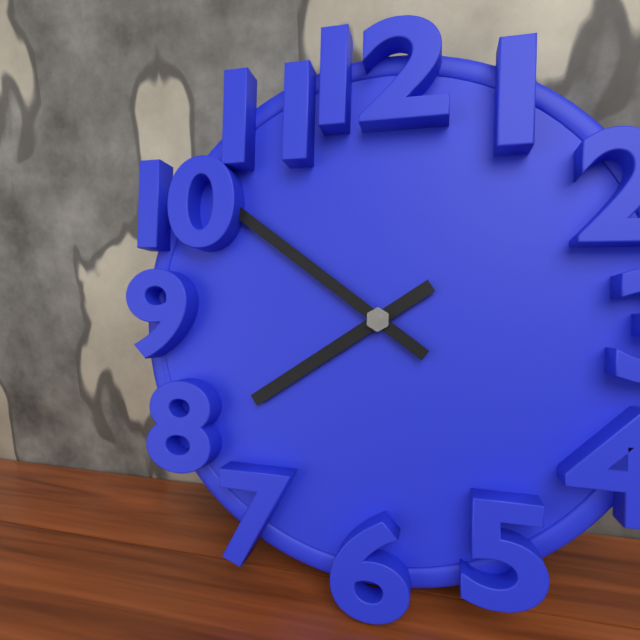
h=7 m=51
